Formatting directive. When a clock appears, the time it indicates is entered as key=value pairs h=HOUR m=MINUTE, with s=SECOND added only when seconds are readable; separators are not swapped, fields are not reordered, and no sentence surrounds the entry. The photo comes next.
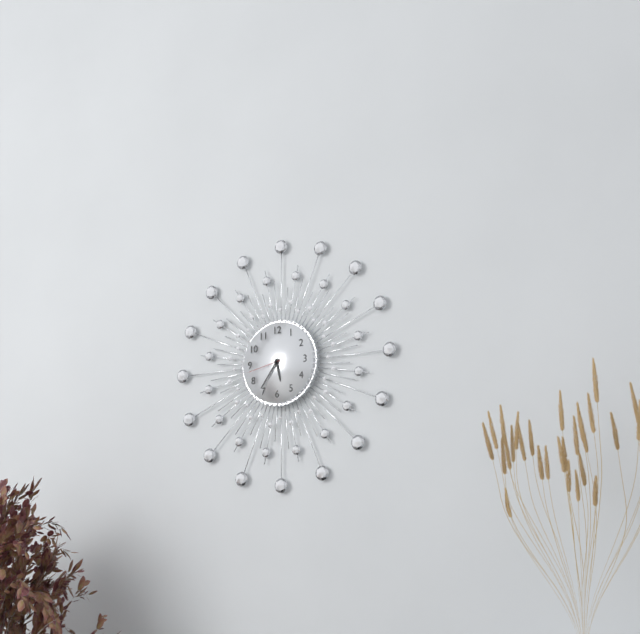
h=5 m=36
